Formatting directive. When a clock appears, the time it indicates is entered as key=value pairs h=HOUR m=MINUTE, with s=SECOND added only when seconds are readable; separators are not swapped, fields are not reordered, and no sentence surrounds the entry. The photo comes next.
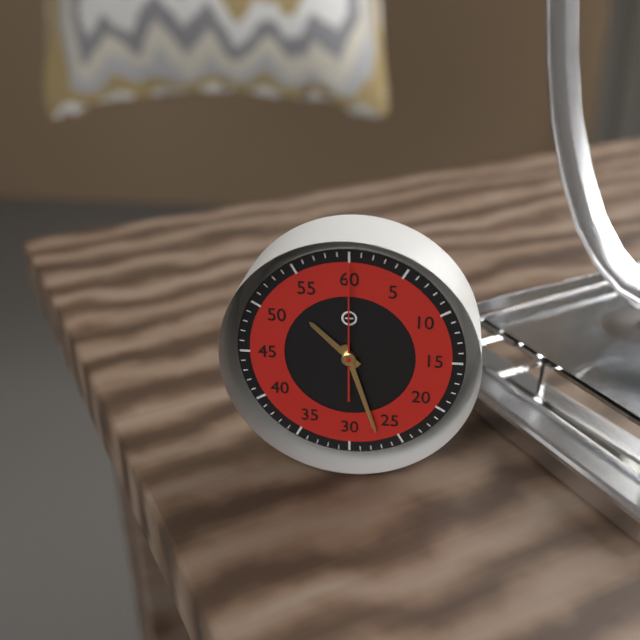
h=10 m=27 s=0
